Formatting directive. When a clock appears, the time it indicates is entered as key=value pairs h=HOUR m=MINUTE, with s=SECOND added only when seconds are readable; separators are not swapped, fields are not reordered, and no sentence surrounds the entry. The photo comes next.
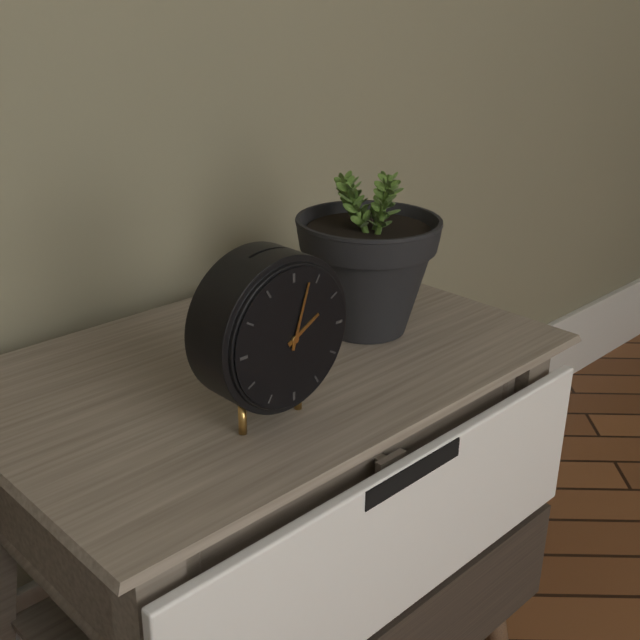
h=2 m=3
